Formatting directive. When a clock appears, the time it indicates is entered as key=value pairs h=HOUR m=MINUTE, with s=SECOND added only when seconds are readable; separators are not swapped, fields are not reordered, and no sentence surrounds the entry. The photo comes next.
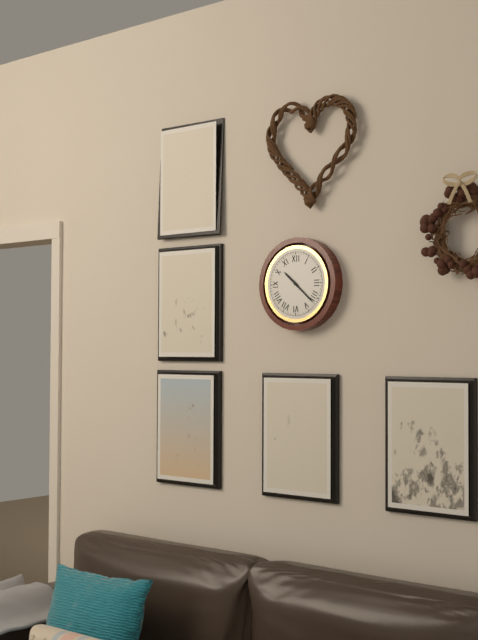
h=10 m=22
